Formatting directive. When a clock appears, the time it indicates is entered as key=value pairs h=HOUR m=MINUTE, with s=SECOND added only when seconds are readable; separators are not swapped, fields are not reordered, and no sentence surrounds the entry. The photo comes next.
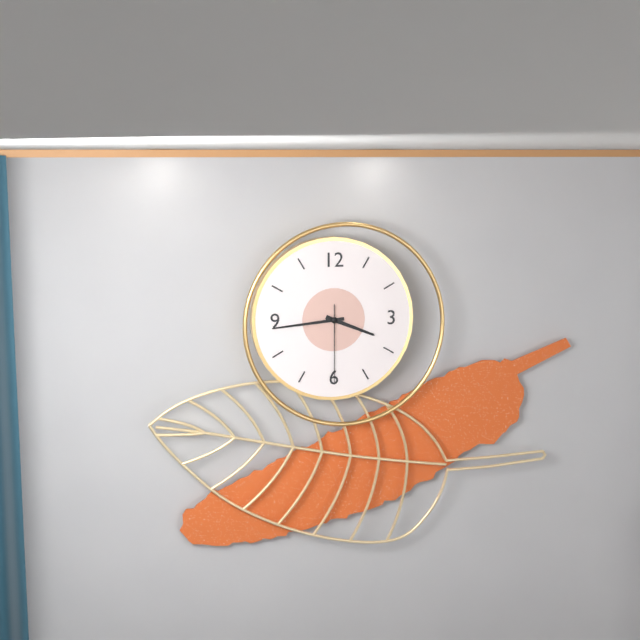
h=3 m=44 s=30
